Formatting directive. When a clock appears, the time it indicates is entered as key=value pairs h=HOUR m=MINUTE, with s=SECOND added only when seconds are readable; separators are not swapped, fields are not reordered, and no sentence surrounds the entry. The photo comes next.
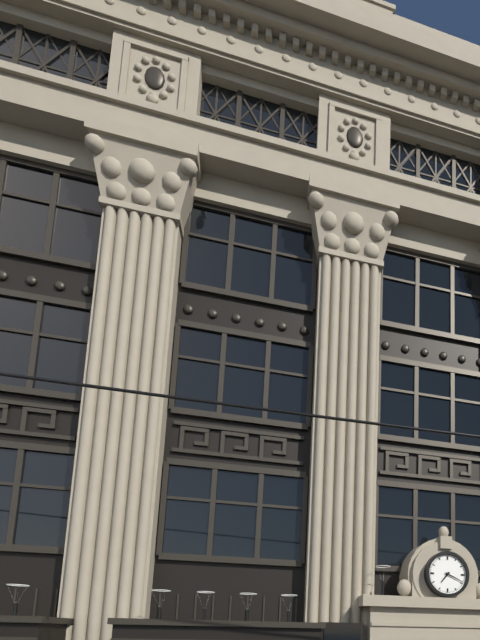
h=7 m=19
